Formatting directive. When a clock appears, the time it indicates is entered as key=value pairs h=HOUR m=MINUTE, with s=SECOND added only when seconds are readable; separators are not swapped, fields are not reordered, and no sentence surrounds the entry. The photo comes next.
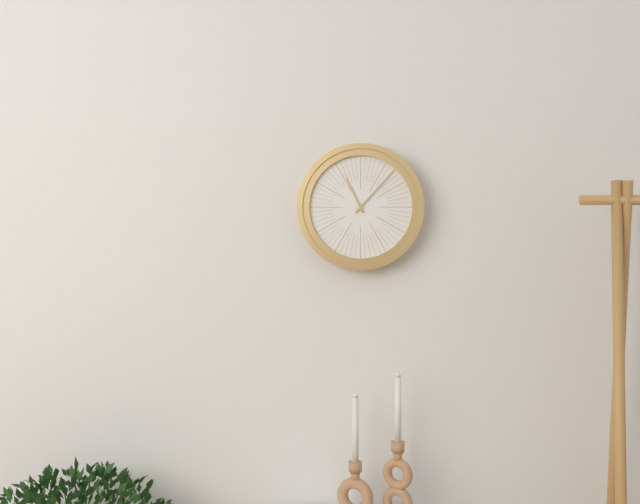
h=11 m=7
